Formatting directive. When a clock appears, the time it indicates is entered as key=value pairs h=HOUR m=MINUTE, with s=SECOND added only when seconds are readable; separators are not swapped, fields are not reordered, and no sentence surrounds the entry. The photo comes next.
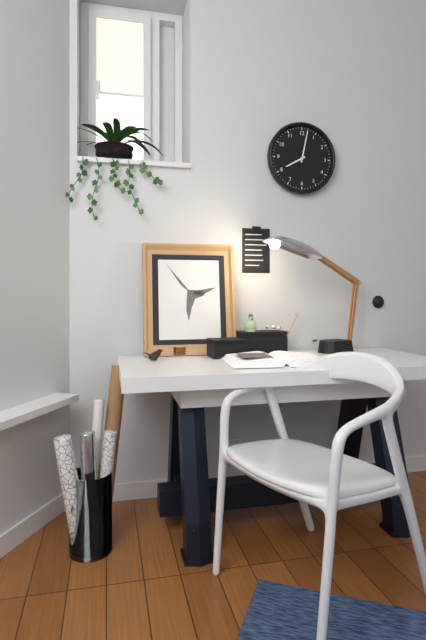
h=8 m=2
